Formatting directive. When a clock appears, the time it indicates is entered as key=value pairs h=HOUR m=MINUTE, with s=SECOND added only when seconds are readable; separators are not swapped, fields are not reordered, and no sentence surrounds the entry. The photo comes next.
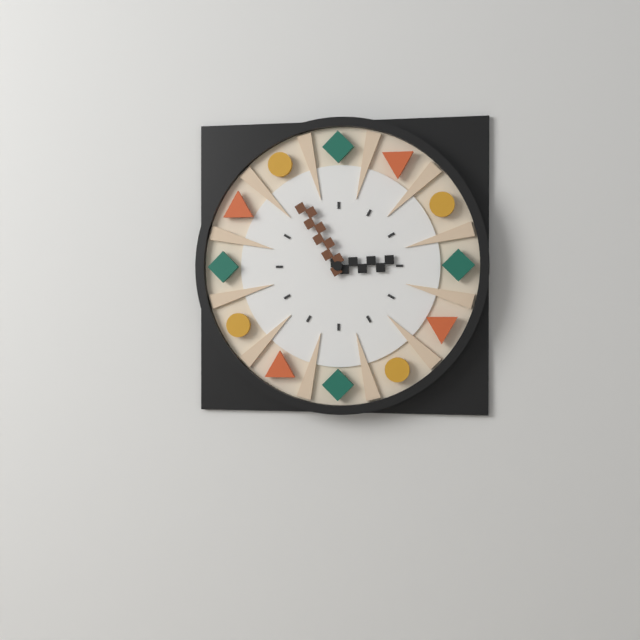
h=2 m=55
